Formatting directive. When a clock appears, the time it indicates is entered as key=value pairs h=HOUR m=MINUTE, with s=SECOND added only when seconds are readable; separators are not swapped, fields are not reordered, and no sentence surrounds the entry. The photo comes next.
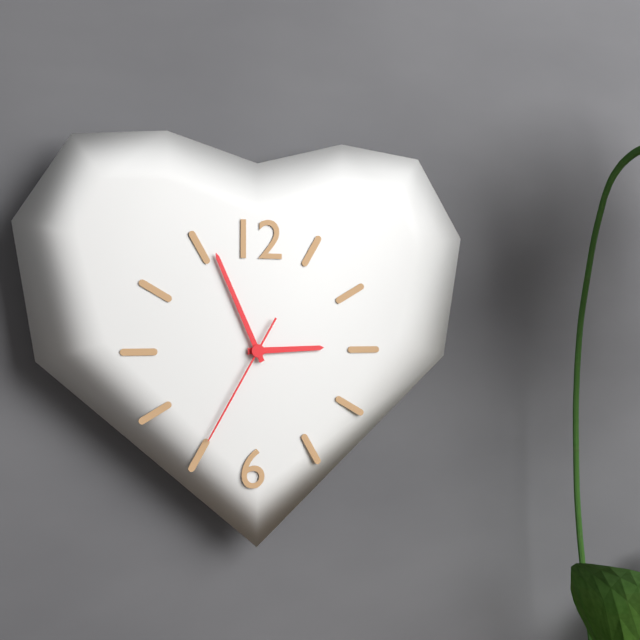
h=2 m=56 s=35
